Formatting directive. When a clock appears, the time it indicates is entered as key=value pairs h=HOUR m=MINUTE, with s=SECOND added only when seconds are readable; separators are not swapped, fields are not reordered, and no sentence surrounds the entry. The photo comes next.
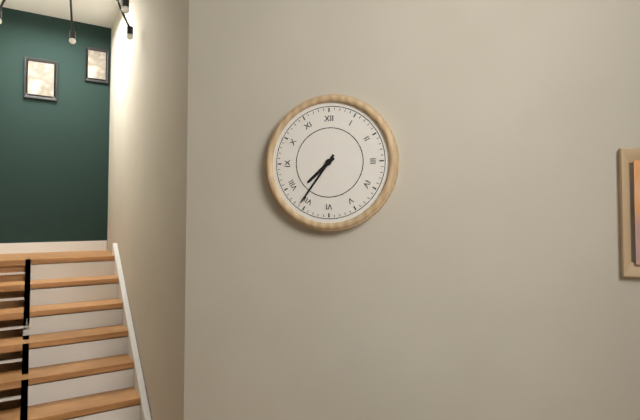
h=7 m=36
